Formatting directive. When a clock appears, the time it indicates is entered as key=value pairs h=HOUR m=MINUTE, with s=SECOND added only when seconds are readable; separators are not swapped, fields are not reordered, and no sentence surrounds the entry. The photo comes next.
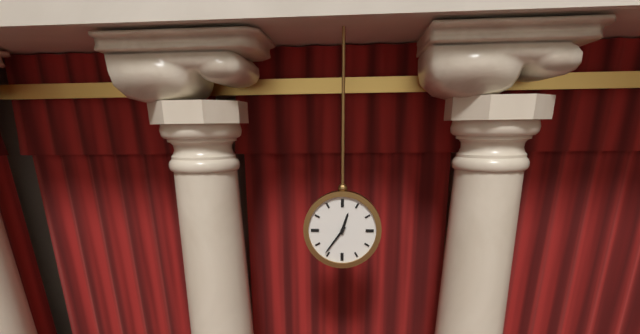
h=12 m=36
